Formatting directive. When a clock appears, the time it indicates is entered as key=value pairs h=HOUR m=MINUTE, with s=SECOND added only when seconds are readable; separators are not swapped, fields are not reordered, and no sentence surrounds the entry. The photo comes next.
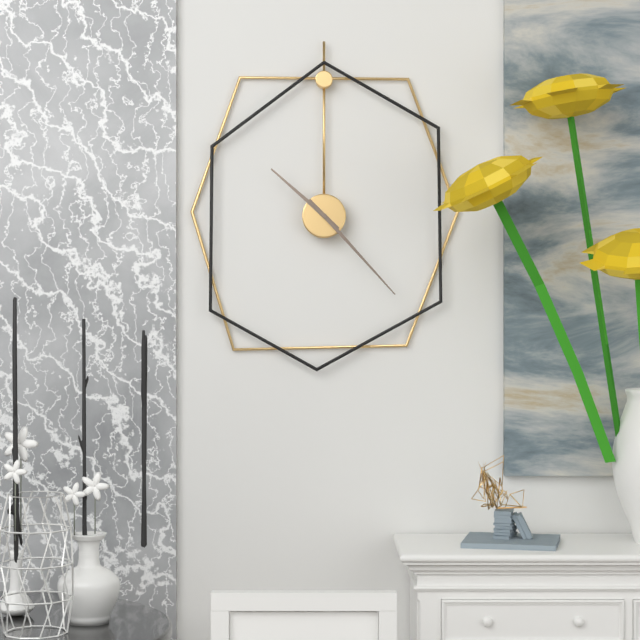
h=10 m=23
